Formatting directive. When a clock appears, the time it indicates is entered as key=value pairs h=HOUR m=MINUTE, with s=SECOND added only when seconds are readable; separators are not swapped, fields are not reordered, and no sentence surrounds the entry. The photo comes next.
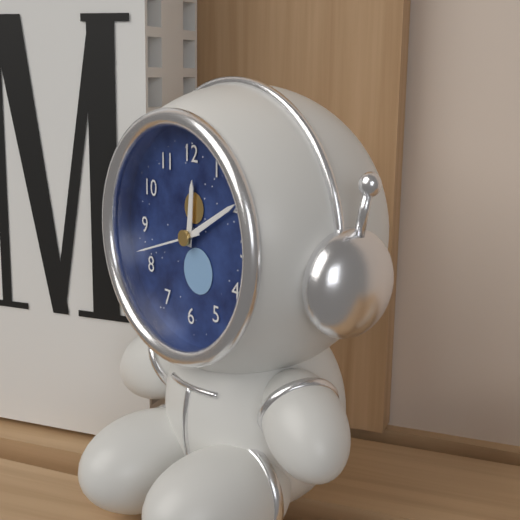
h=12 m=10 s=42
